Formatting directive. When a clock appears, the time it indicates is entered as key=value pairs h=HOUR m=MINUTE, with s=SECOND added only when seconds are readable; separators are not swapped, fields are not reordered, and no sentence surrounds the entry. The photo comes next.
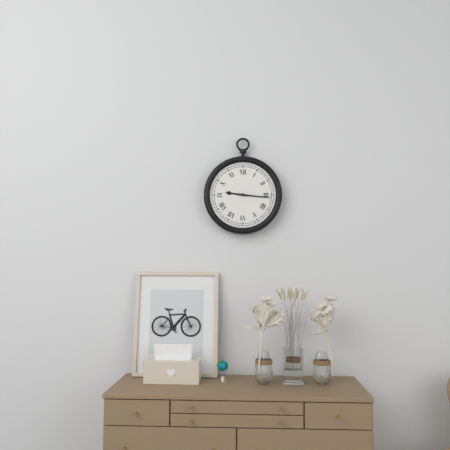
h=9 m=16
